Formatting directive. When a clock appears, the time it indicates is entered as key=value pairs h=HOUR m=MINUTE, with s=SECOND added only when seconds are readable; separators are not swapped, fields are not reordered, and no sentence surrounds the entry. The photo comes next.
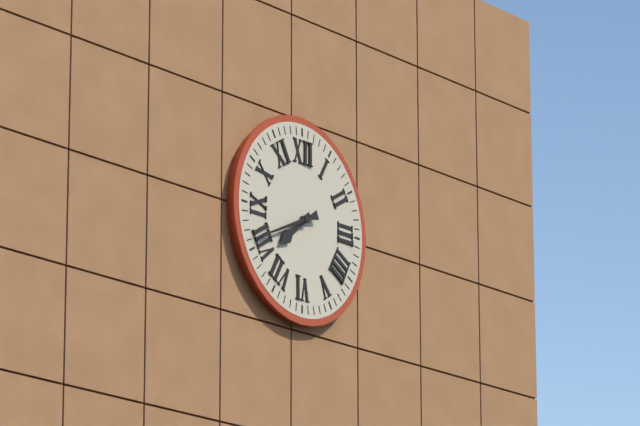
h=7 m=41
